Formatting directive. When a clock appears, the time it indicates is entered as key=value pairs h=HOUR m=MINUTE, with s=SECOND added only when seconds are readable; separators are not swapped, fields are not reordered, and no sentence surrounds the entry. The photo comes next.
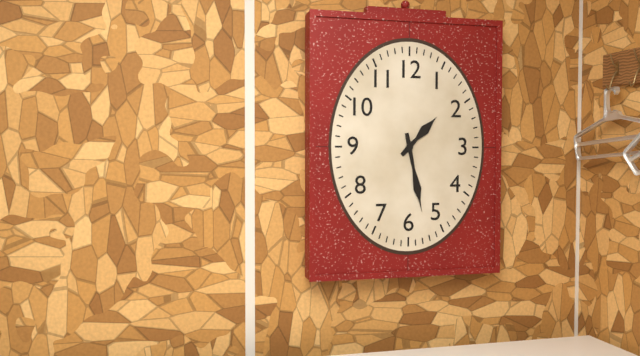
h=1 m=28
